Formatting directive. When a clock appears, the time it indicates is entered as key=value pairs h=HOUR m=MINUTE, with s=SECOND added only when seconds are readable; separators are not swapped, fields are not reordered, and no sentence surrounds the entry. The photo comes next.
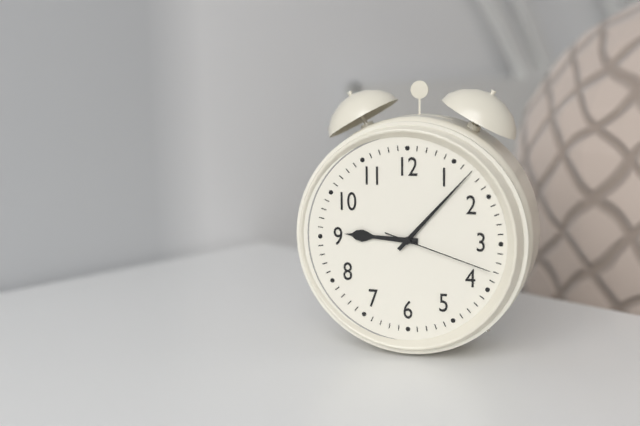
h=9 m=7 s=18
